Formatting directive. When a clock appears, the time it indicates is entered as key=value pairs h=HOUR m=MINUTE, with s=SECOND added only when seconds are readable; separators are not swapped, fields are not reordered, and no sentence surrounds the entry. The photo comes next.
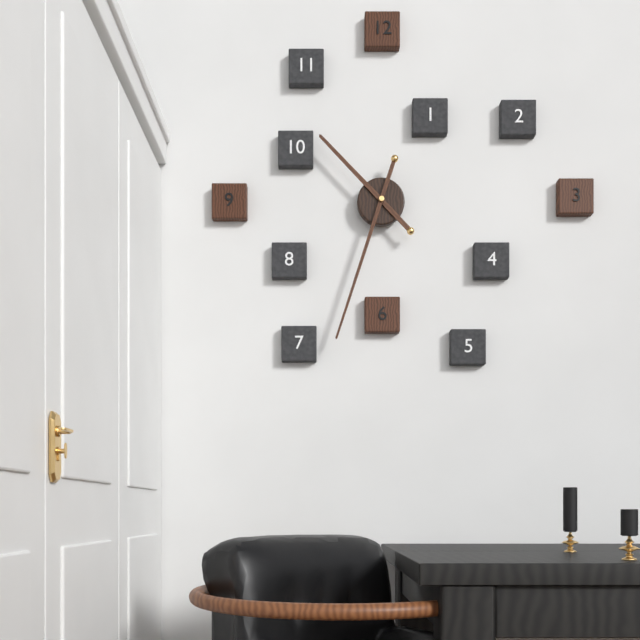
h=10 m=33
